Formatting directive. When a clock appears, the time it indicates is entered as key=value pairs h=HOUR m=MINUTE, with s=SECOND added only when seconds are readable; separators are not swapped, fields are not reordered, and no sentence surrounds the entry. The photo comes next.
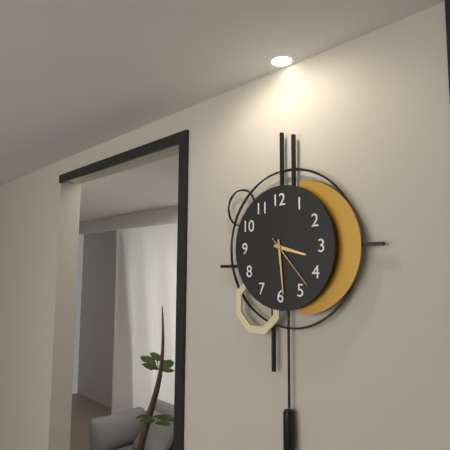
h=3 m=29 s=23
